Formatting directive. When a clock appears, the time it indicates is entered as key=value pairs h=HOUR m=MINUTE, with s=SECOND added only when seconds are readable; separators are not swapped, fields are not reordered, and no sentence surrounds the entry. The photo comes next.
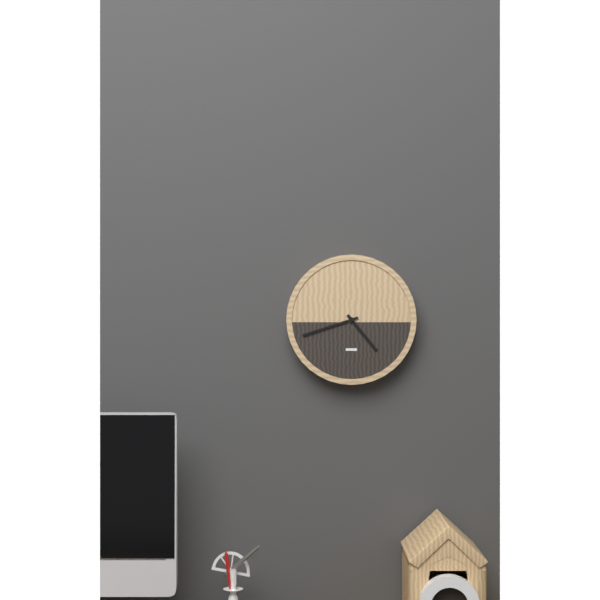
h=4 m=42
